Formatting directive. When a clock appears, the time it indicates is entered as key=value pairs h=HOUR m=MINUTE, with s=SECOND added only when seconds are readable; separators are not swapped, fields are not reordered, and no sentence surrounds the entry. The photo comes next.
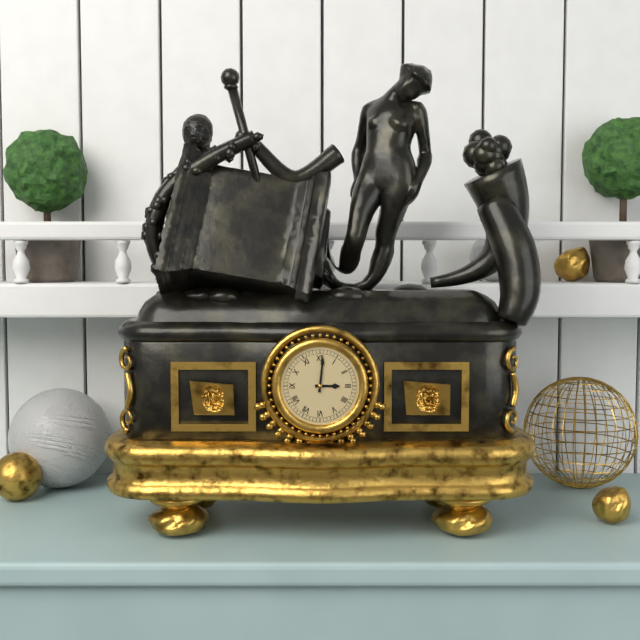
h=3 m=1
